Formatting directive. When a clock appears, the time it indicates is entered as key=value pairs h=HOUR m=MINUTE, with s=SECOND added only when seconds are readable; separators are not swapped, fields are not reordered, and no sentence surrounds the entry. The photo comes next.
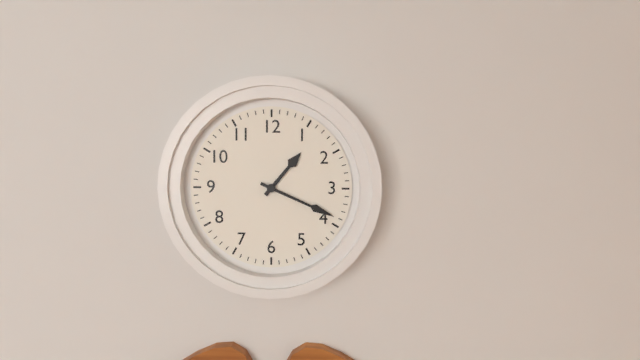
h=1 m=19
